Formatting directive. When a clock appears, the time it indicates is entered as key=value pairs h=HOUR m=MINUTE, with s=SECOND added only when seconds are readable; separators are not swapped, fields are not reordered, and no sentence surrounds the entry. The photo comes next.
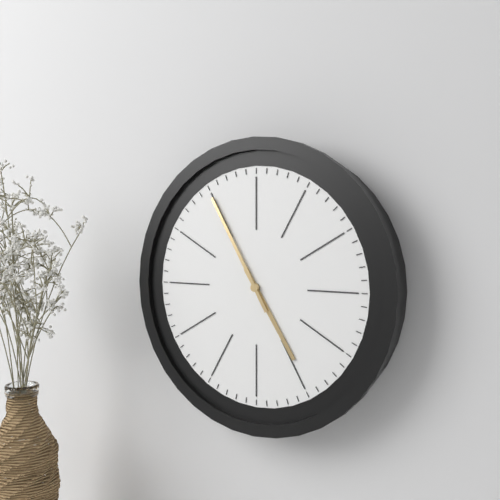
h=4 m=55
